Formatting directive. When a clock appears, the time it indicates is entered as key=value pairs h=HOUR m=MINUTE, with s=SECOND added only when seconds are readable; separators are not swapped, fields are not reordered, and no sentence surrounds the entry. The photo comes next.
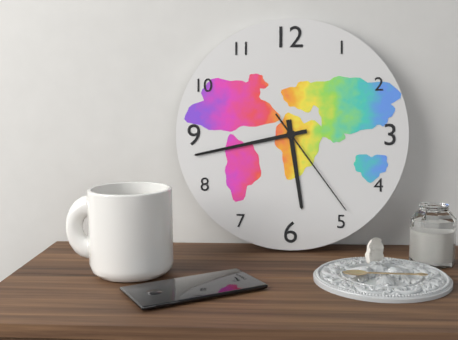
h=5 m=43 s=24
